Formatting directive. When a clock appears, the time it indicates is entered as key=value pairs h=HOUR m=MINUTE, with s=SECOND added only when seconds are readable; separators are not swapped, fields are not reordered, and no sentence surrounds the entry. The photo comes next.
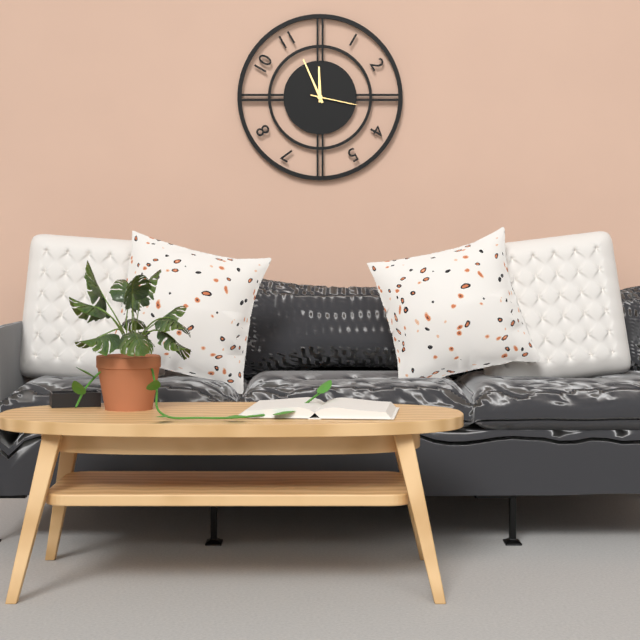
h=11 m=56
